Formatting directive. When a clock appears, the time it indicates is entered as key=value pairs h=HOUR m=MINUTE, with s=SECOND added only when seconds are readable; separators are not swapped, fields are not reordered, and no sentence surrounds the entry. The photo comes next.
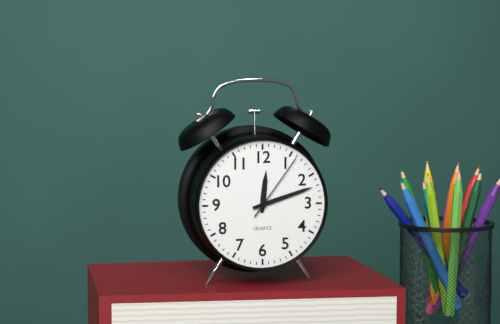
h=12 m=12 s=6
